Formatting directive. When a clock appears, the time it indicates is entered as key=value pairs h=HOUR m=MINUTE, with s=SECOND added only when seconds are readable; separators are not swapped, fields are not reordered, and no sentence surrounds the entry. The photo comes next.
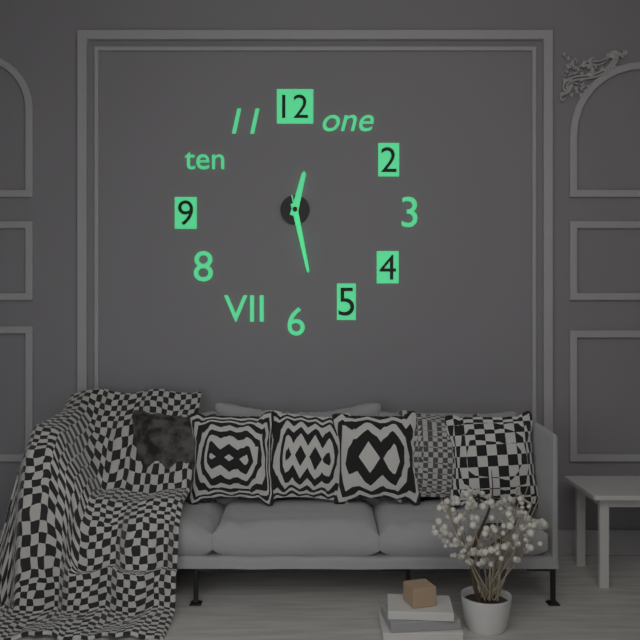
h=12 m=28 s=28
